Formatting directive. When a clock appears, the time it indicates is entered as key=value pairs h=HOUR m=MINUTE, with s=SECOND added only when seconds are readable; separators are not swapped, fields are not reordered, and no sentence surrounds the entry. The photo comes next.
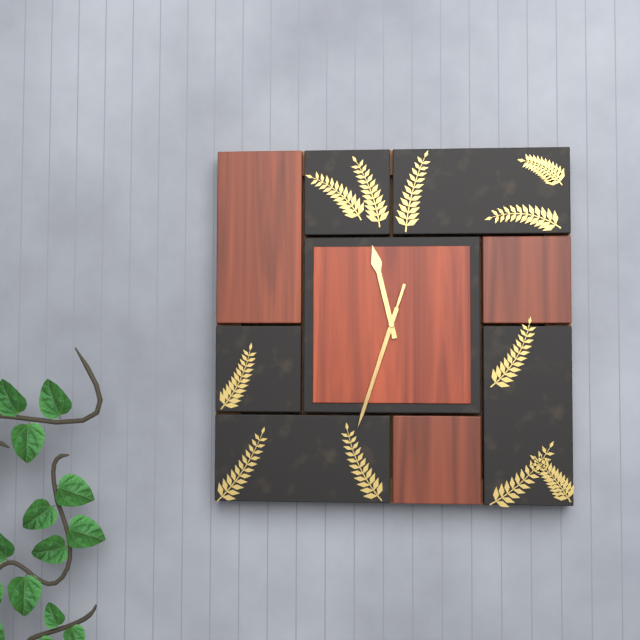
h=11 m=33 s=33
